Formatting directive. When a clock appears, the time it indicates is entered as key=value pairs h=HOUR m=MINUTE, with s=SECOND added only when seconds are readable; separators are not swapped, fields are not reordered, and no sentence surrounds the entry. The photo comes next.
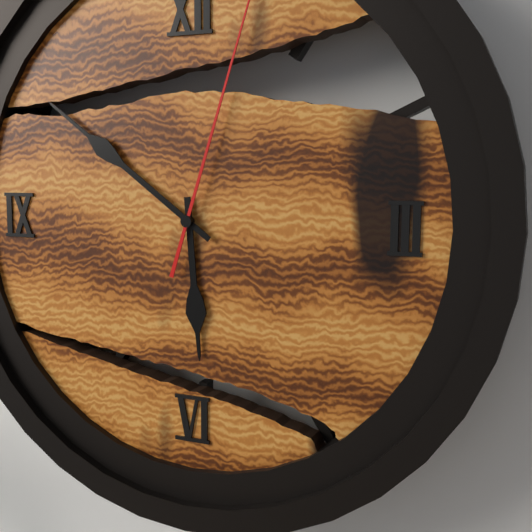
h=5 m=51
